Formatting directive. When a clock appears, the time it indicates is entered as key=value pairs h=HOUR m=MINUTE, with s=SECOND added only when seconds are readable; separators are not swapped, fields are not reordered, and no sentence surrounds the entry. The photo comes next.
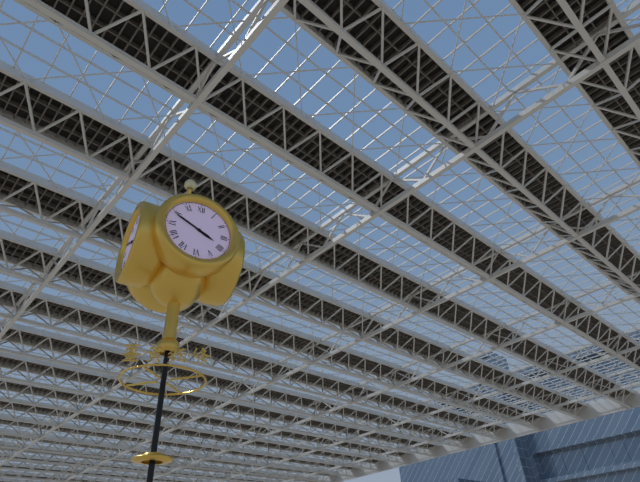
h=3 m=49
